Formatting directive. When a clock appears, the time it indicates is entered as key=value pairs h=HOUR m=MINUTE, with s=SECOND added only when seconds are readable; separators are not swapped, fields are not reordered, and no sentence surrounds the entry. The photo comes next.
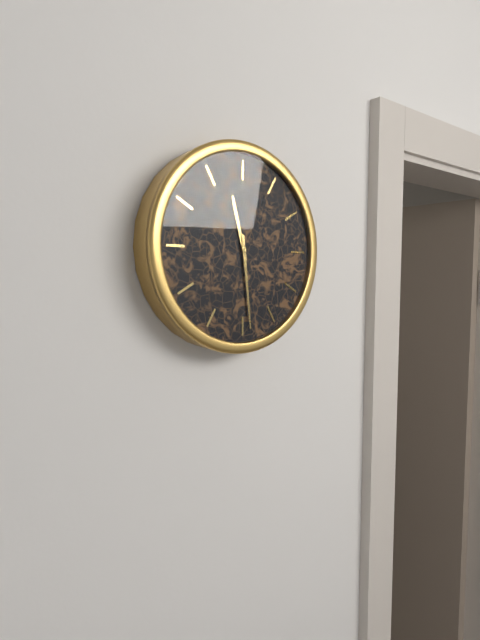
h=11 m=29
